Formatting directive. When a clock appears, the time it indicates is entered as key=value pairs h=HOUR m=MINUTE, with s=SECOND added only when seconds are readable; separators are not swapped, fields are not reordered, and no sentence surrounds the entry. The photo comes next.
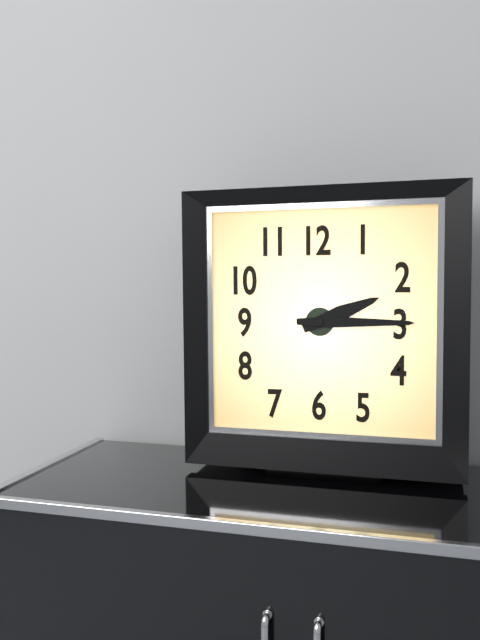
h=2 m=15
